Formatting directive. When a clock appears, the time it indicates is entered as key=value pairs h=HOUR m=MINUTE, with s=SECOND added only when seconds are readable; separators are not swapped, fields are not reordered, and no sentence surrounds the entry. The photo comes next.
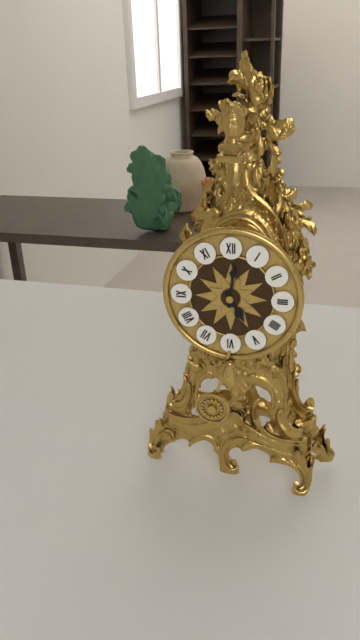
h=5 m=1
